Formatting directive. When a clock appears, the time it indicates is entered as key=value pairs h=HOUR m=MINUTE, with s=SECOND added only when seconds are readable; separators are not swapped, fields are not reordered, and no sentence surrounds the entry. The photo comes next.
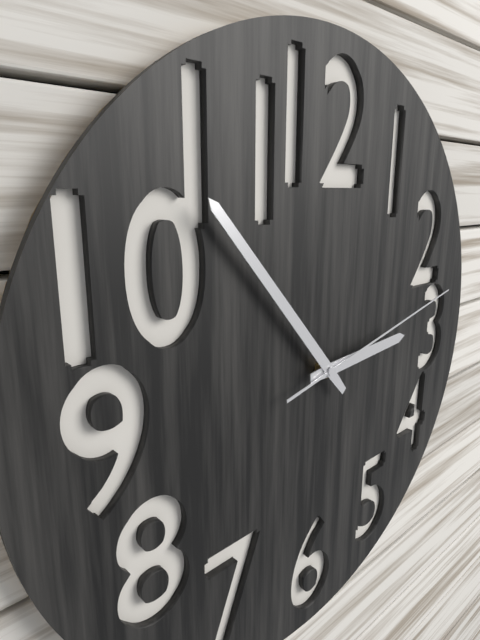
h=2 m=53 s=13
